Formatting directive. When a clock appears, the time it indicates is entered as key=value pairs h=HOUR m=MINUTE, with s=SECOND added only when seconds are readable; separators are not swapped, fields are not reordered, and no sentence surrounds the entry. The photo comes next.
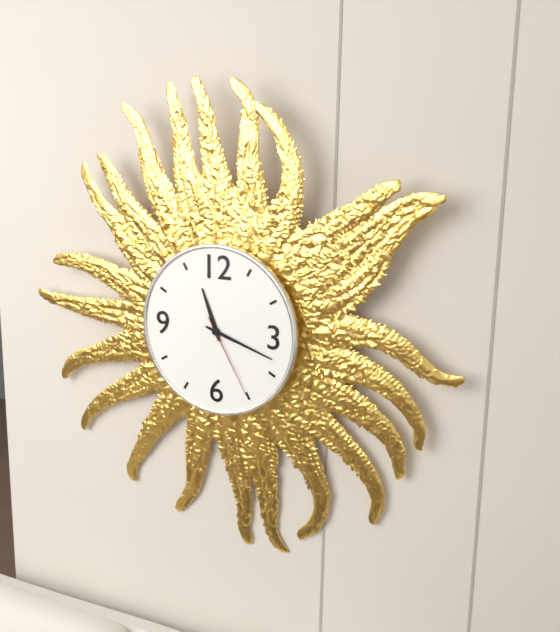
h=11 m=18 s=25
